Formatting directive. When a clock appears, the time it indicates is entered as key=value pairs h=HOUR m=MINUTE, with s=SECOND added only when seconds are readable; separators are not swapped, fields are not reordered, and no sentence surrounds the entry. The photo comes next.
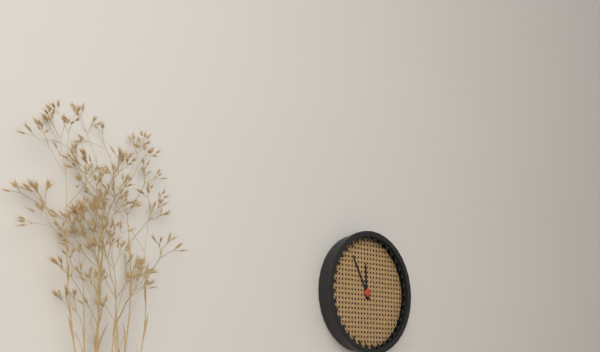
h=11 m=55
